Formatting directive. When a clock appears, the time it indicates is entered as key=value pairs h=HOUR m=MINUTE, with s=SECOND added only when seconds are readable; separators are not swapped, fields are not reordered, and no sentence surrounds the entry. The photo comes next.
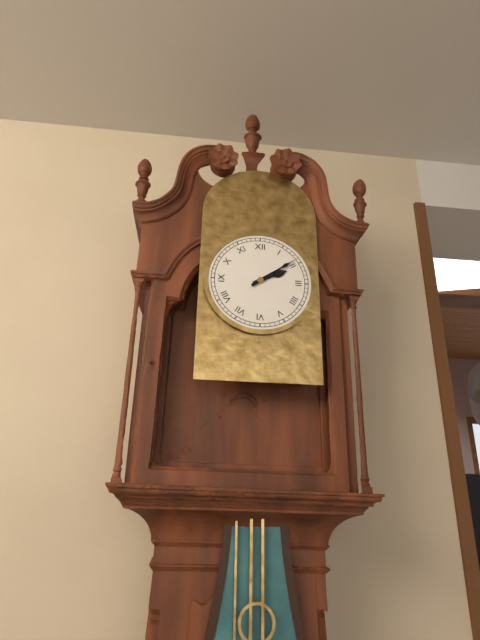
h=2 m=9
